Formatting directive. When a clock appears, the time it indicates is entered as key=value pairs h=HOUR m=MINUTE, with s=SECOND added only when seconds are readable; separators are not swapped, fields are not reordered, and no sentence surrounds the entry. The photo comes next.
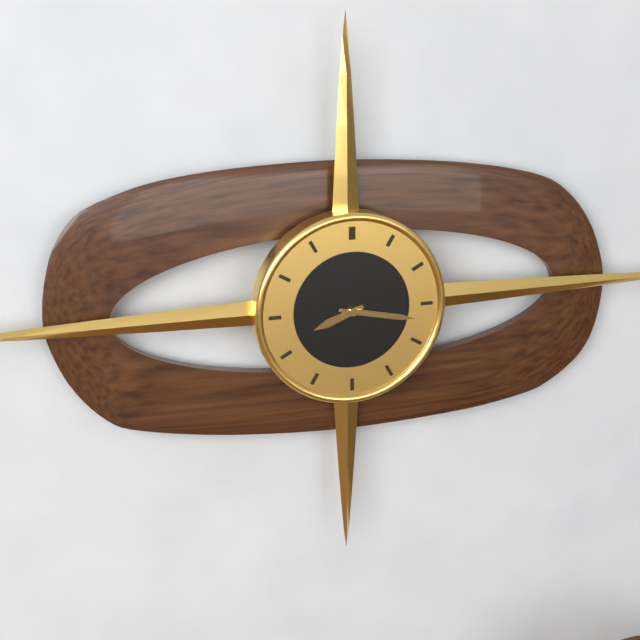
h=8 m=17
